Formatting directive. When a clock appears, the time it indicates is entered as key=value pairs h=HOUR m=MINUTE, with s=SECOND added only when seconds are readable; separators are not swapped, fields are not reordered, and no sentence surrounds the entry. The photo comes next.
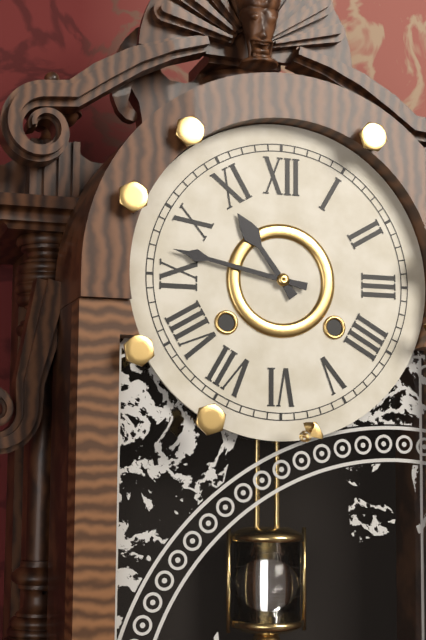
h=10 m=47
